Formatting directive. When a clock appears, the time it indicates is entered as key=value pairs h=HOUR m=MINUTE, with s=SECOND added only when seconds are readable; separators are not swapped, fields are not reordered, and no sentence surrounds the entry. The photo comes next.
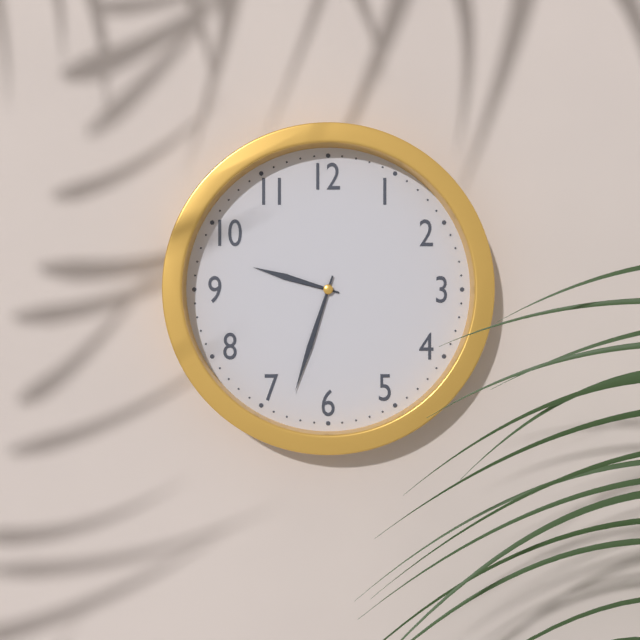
h=9 m=33
